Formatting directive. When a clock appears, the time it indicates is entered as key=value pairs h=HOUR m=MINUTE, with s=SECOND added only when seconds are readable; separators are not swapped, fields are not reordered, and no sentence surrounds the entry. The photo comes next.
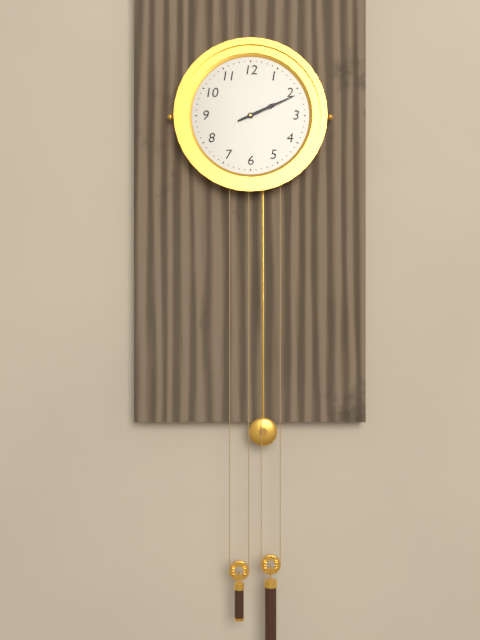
h=2 m=11
